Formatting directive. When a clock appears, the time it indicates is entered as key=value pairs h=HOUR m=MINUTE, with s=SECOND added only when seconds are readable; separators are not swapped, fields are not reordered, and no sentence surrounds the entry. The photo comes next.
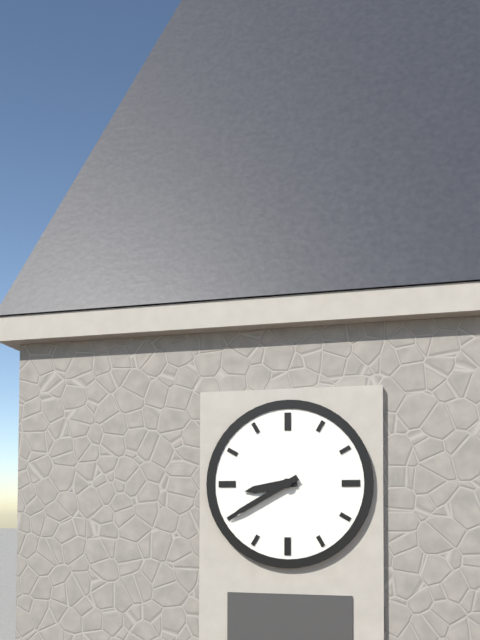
h=8 m=40
